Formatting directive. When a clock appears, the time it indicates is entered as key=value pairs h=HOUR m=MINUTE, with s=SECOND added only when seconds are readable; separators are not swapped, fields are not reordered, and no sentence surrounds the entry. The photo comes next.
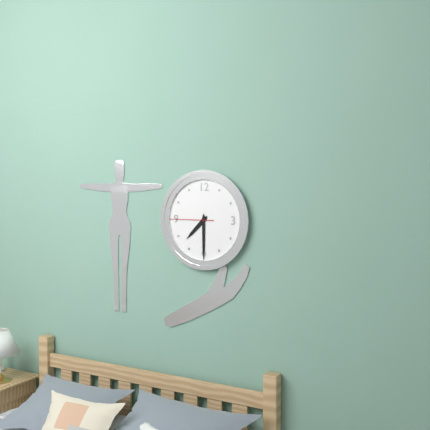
h=7 m=30
